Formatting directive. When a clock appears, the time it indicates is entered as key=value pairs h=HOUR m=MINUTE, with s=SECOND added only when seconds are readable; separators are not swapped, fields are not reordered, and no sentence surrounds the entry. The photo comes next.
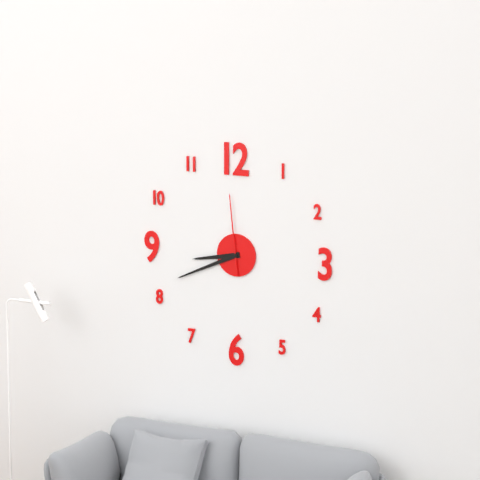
h=8 m=41 s=59
